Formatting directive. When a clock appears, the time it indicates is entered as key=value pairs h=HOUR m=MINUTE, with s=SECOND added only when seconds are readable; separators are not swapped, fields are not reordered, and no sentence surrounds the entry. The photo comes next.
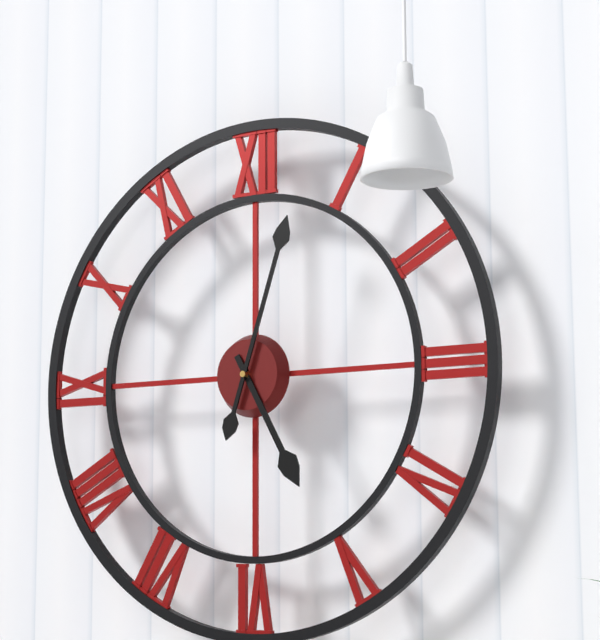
h=5 m=3
